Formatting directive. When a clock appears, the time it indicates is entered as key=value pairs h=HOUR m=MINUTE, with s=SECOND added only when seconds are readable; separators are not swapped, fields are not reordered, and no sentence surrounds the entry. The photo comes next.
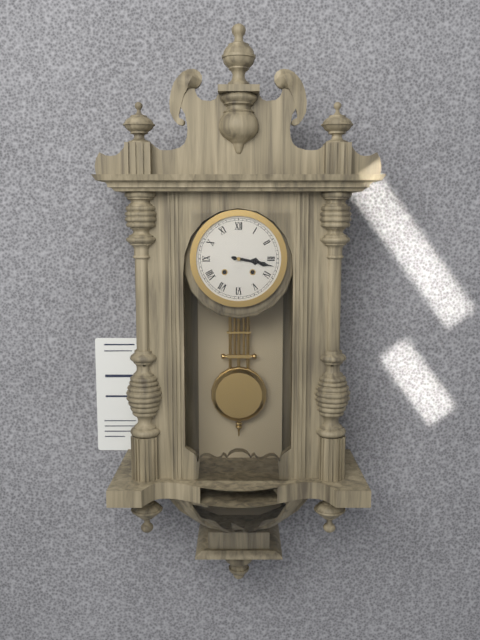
h=3 m=17
